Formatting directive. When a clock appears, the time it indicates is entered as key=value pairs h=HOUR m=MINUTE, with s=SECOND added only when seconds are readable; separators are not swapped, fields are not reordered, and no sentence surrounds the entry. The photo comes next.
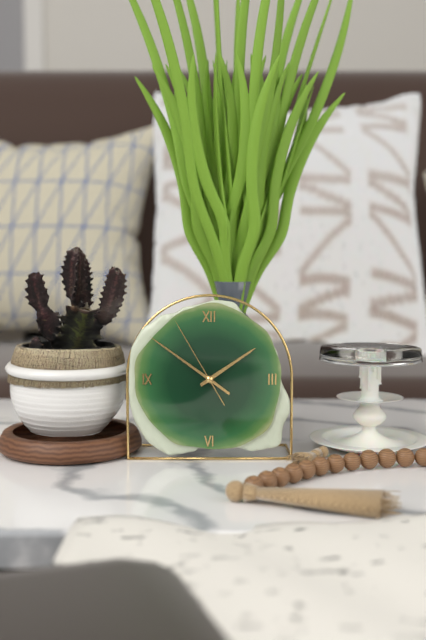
h=1 m=51 s=55
